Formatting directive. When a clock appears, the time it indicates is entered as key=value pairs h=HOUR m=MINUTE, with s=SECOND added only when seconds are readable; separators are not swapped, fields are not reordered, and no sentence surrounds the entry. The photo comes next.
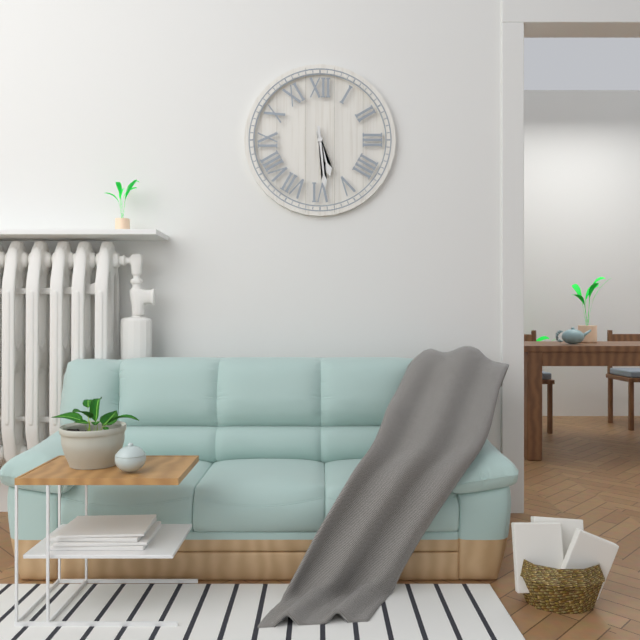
h=5 m=29
